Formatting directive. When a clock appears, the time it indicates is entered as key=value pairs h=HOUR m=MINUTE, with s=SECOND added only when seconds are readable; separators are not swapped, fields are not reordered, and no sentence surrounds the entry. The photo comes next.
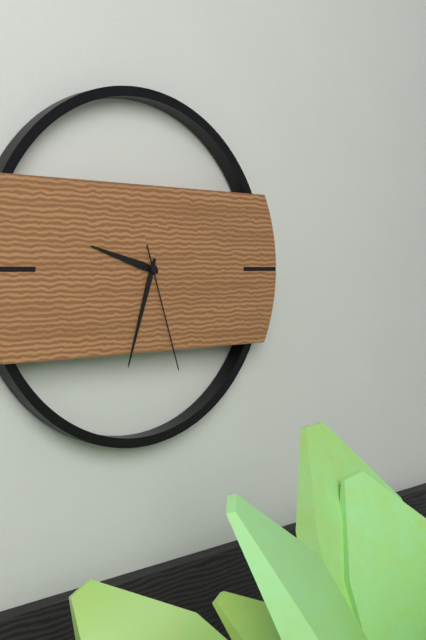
h=9 m=33 s=27
